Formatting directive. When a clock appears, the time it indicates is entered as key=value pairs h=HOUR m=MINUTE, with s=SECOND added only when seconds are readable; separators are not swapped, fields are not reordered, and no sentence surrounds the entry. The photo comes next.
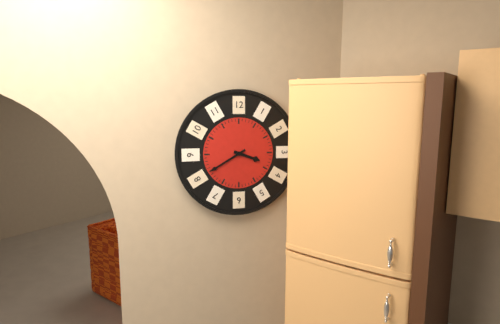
h=3 m=40
